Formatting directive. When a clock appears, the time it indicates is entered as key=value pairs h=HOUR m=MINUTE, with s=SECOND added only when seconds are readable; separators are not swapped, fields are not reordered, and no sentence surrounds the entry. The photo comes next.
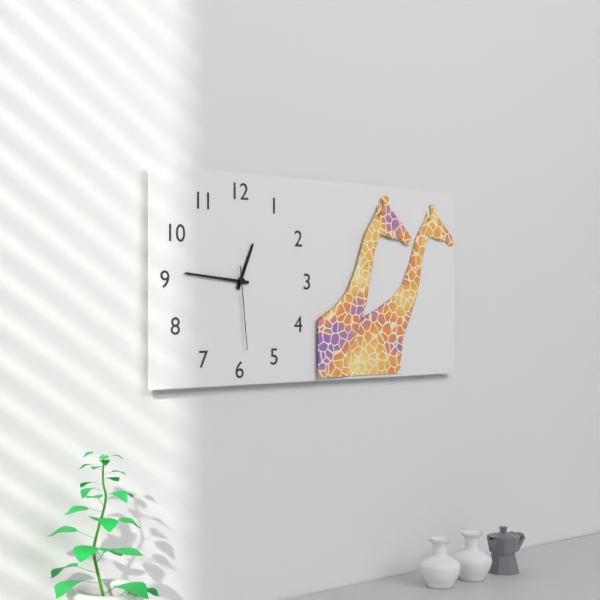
h=12 m=46 s=29
